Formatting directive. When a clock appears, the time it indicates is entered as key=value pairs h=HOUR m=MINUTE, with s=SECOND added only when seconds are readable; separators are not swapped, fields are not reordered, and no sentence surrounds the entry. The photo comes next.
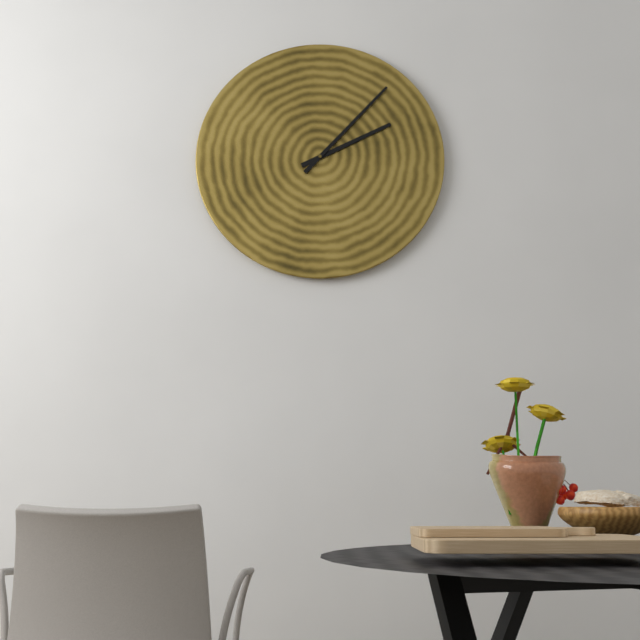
h=2 m=7
